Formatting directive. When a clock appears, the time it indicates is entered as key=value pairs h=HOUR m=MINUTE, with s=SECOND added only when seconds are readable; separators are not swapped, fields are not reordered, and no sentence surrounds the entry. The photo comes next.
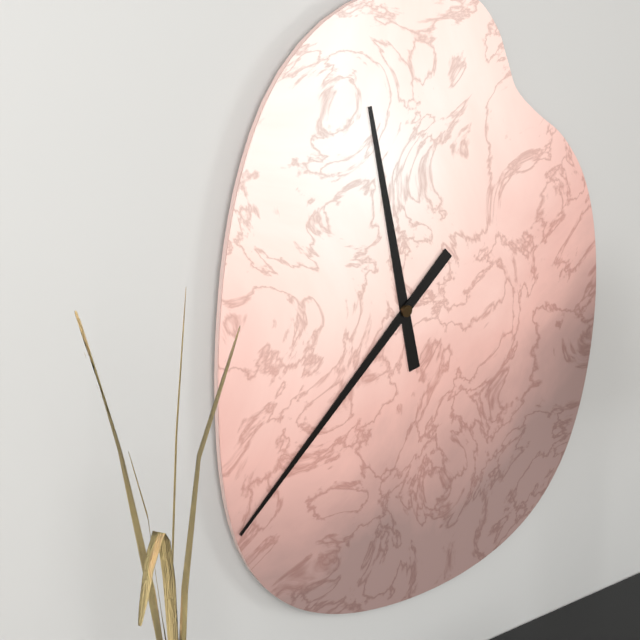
h=11 m=38
